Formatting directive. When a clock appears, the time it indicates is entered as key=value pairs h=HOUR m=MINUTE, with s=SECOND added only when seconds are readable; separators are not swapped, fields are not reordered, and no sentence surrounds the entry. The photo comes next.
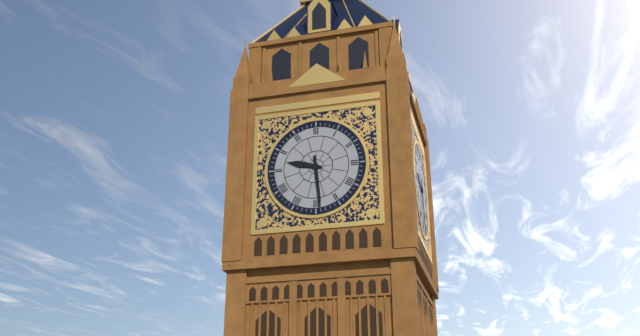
h=9 m=29
